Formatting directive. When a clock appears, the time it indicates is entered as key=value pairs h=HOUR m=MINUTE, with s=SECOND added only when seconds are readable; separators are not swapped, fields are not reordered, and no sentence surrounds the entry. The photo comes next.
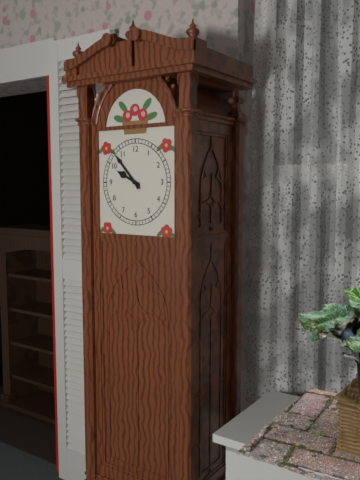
h=9 m=53
